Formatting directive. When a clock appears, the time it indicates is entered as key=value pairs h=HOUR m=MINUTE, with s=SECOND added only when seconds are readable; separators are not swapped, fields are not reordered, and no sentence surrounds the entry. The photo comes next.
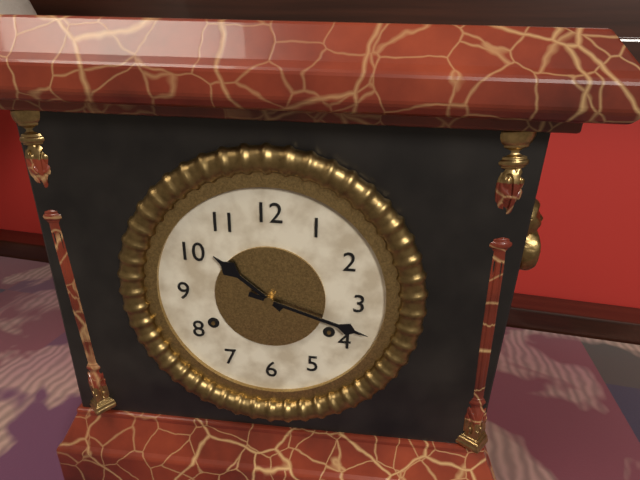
h=10 m=18
